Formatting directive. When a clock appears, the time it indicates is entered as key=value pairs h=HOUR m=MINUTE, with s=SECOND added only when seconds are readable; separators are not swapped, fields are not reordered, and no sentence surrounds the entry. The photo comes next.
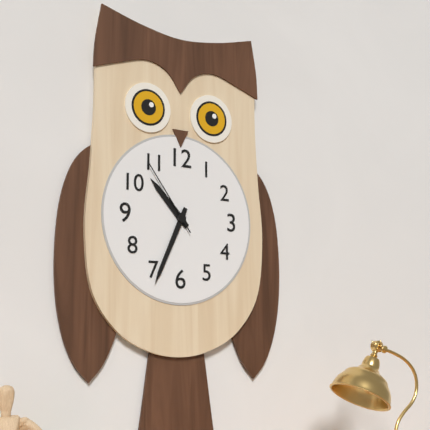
h=10 m=34 s=54
